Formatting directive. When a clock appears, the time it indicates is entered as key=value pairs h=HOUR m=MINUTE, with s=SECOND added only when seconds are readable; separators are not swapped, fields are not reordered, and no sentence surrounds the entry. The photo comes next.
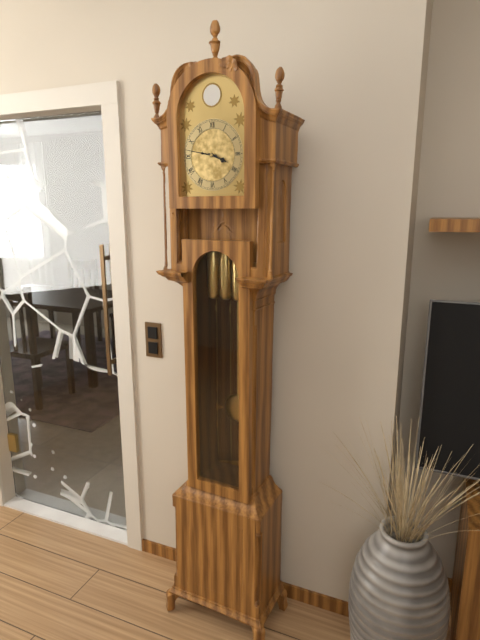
h=3 m=47
